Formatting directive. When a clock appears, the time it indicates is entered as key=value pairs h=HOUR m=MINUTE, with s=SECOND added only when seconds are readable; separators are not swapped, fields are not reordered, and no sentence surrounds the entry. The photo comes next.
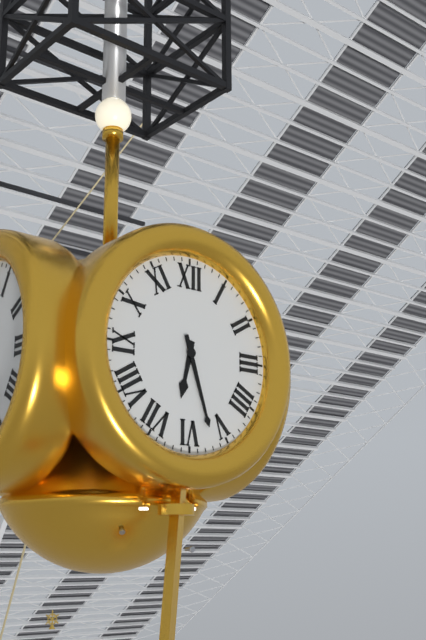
h=6 m=27
